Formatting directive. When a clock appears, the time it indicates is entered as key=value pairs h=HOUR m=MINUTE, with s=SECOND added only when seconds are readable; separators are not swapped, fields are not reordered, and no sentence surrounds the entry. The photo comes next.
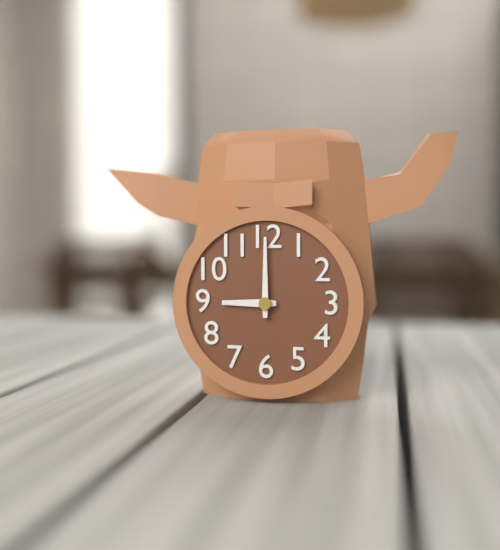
h=9 m=0
